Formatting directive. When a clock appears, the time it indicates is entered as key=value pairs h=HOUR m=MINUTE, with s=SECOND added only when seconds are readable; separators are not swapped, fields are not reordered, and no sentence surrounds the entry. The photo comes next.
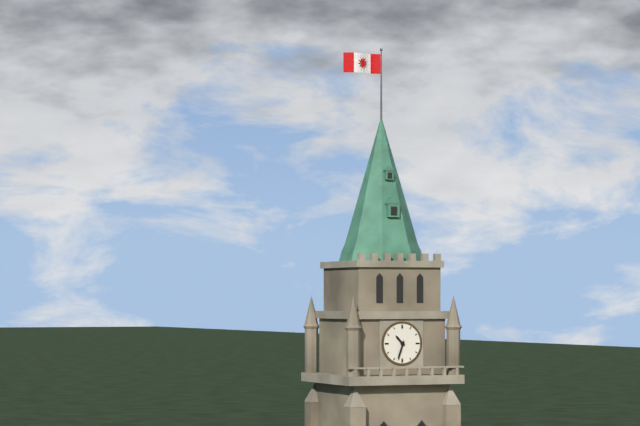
h=10 m=33
